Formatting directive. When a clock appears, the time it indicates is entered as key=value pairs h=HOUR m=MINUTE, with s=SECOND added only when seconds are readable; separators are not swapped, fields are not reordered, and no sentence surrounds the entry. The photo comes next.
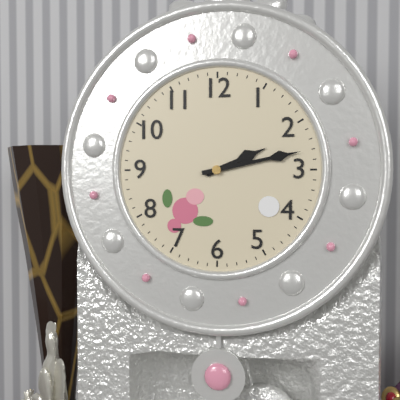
h=2 m=13
